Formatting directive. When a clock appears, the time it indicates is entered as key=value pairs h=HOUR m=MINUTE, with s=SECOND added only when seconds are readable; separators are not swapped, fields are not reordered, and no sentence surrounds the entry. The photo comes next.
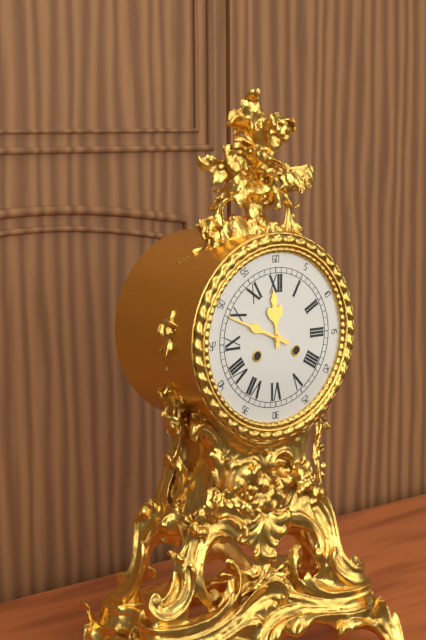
h=11 m=49
